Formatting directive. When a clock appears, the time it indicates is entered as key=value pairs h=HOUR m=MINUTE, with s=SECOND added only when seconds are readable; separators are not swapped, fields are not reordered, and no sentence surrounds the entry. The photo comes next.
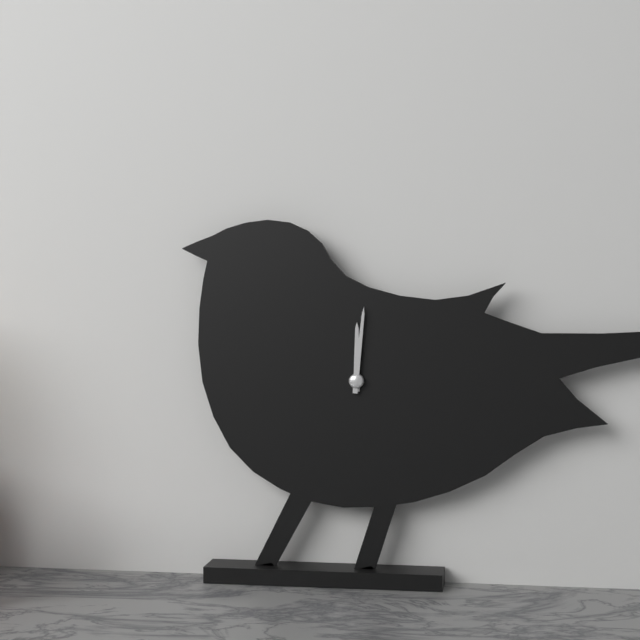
h=12 m=1
